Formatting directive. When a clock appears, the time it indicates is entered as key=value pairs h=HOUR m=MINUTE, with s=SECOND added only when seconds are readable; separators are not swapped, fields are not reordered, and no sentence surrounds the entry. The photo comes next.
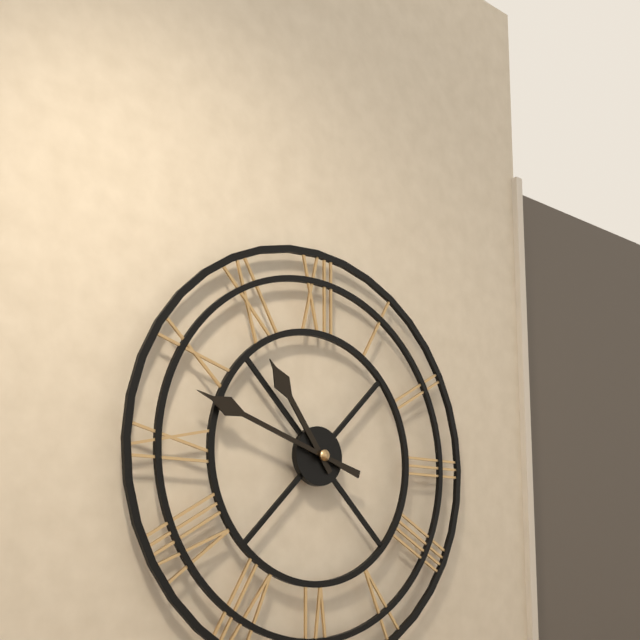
h=10 m=48
